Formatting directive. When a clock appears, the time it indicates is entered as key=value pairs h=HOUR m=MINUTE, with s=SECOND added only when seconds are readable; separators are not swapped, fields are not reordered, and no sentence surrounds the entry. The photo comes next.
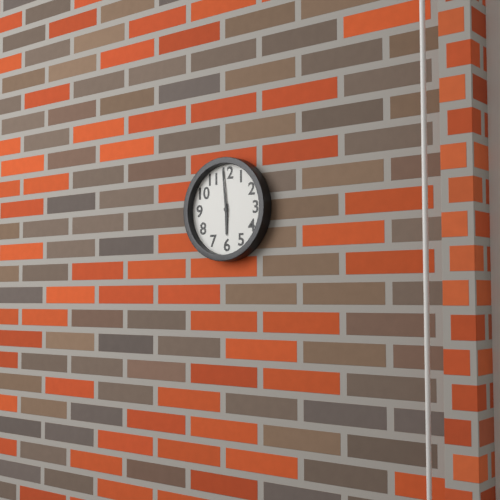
h=5 m=59
